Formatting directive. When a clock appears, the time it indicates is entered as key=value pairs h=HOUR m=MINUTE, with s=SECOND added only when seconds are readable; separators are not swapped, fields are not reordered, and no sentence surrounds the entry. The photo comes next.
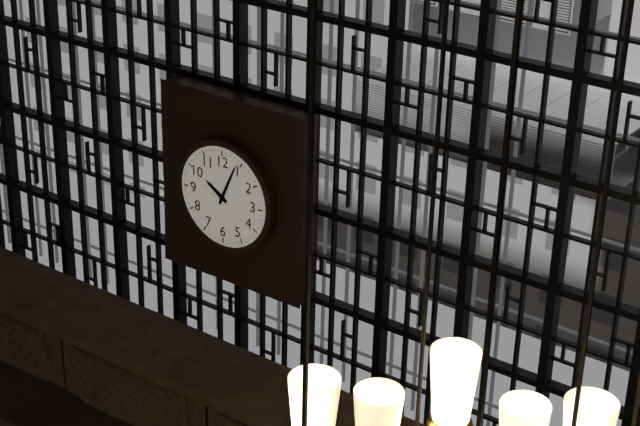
h=10 m=4
